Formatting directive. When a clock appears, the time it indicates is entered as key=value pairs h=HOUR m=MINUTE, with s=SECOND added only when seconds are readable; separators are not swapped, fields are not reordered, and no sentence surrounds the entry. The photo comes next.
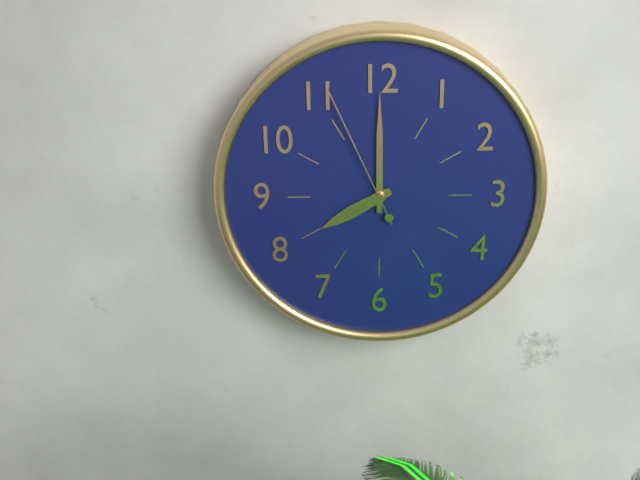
h=8 m=0 s=56
